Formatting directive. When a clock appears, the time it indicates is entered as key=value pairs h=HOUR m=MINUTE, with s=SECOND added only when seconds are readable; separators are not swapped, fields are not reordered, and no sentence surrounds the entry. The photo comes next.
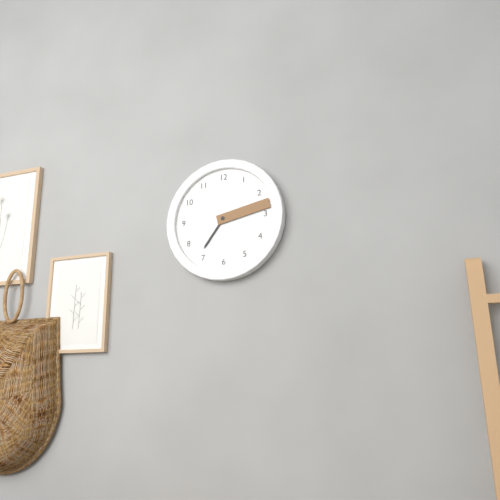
h=7 m=13
